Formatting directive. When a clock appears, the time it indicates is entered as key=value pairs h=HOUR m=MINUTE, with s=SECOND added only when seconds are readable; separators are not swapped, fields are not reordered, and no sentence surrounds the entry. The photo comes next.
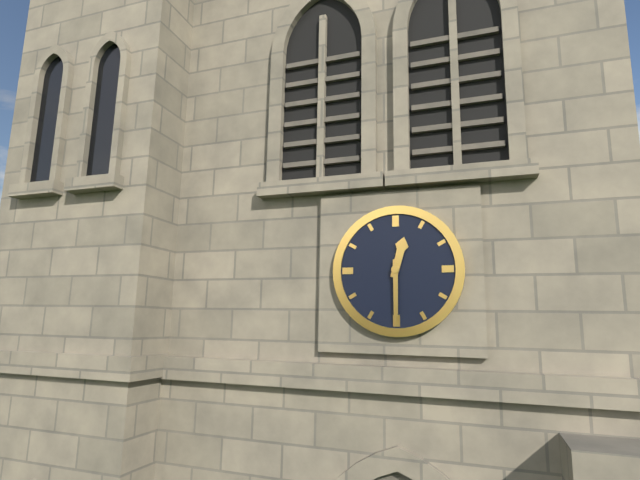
h=12 m=30
